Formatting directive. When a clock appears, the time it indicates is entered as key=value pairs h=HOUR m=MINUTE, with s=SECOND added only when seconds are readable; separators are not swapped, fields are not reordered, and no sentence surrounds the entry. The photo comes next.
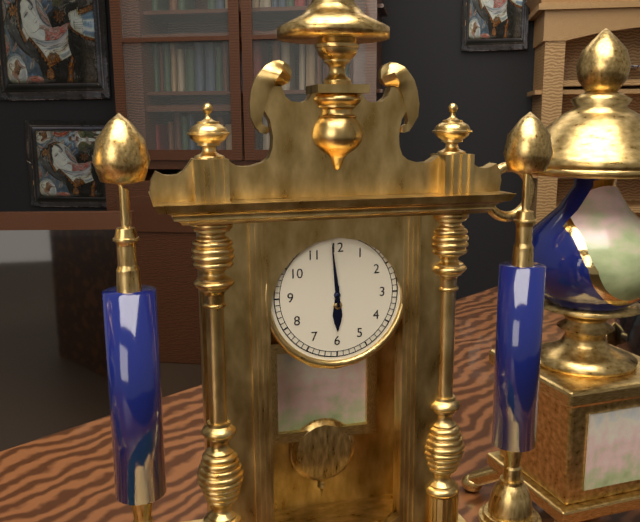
h=5 m=59
